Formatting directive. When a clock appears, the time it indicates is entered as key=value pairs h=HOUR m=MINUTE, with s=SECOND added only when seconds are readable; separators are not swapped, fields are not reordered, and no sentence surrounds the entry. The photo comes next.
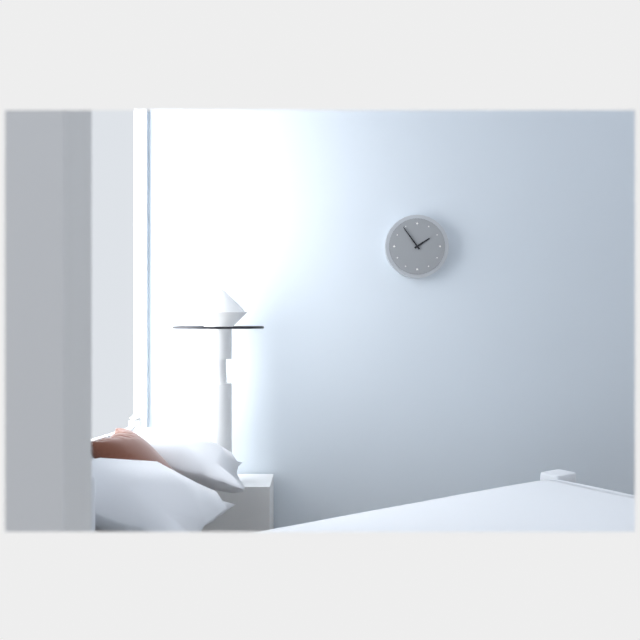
h=1 m=54
